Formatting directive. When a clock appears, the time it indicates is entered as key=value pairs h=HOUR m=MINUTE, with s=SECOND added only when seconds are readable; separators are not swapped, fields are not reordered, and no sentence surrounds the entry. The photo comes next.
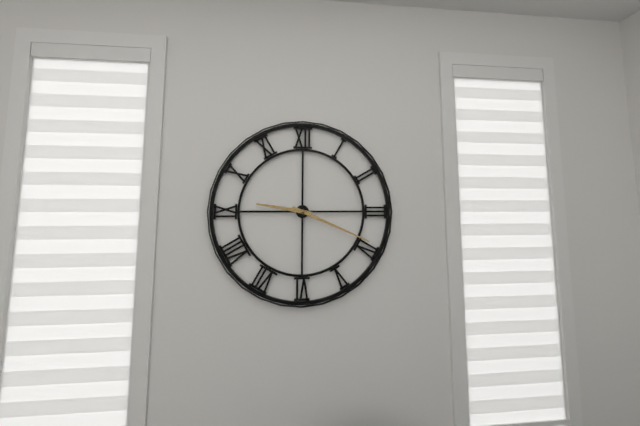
h=9 m=19
